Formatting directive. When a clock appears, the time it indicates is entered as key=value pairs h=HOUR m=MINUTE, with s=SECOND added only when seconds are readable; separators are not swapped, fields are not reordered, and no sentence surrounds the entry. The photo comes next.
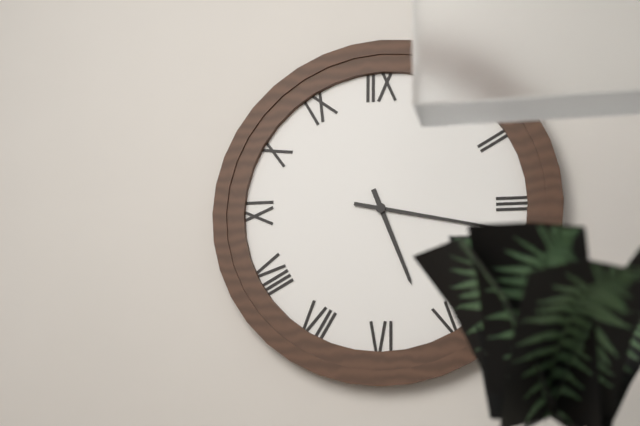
h=5 m=17
